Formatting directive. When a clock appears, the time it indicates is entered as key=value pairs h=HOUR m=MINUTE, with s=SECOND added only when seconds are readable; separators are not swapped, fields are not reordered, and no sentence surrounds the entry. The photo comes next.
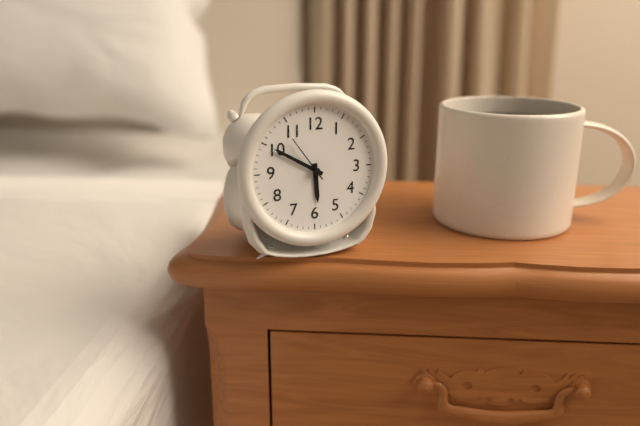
h=5 m=50
